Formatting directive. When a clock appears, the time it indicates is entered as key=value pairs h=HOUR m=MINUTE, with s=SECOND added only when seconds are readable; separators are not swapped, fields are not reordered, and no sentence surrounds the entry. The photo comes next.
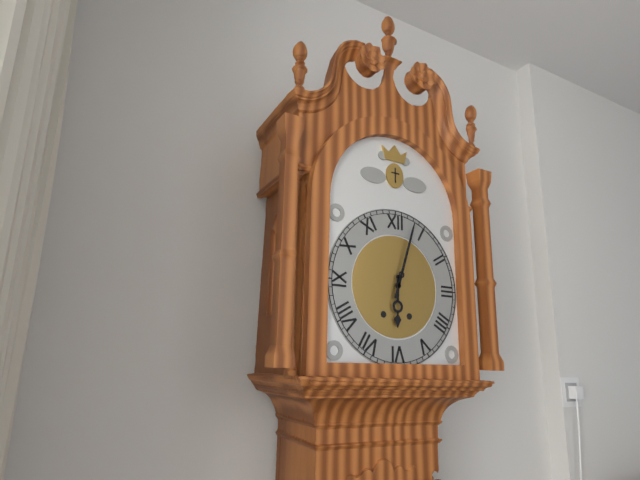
h=6 m=3
